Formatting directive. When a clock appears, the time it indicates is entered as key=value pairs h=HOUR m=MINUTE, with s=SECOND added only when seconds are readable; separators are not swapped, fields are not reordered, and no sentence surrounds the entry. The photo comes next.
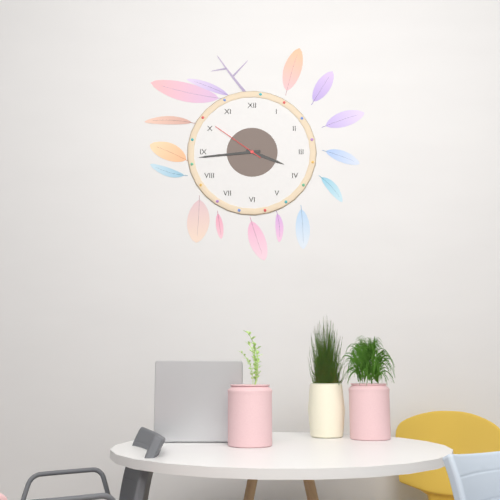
h=3 m=44 s=51
